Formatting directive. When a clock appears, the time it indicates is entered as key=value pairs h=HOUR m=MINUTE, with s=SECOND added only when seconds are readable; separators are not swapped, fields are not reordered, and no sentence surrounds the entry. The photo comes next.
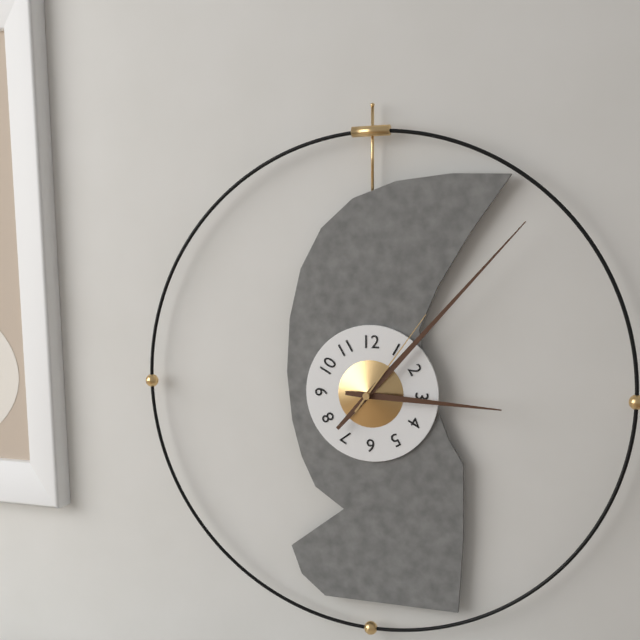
h=3 m=7 s=6
